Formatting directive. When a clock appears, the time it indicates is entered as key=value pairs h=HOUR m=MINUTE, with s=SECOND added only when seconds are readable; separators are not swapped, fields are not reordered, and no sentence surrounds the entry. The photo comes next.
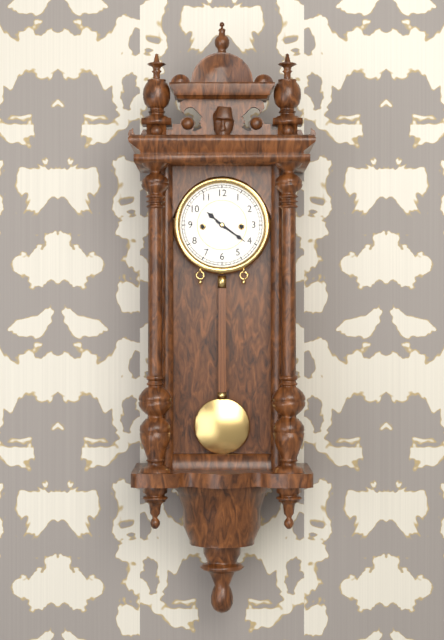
h=10 m=21
